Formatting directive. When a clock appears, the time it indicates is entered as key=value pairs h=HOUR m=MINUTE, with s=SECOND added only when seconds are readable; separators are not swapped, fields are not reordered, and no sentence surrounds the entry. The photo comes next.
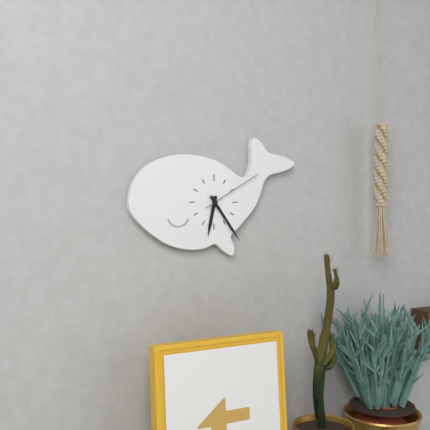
h=6 m=24
